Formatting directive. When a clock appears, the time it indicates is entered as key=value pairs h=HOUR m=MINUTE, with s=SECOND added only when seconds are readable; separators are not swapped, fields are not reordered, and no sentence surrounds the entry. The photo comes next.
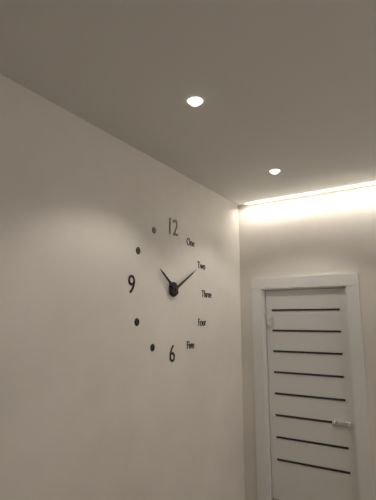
h=10 m=10
